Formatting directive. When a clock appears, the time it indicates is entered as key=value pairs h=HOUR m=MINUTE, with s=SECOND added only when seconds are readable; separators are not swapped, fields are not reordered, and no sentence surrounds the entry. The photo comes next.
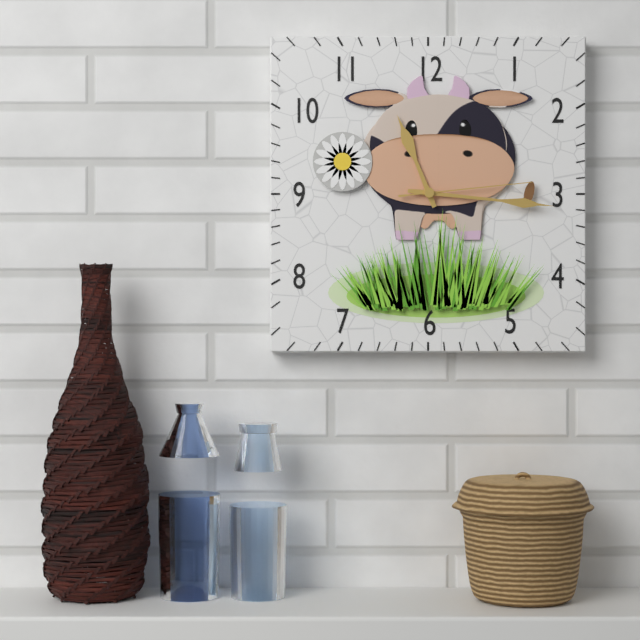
h=11 m=16 s=14
